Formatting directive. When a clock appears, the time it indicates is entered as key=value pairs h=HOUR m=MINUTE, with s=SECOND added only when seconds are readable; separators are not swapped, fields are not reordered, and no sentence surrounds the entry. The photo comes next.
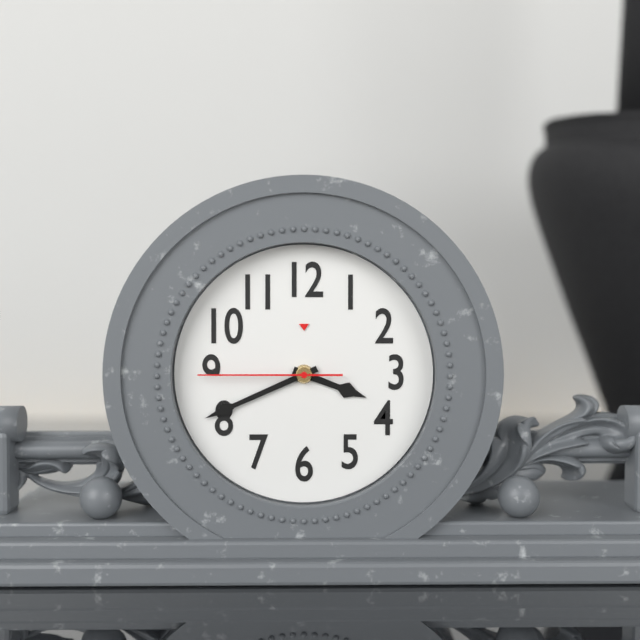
h=3 m=41 s=45
